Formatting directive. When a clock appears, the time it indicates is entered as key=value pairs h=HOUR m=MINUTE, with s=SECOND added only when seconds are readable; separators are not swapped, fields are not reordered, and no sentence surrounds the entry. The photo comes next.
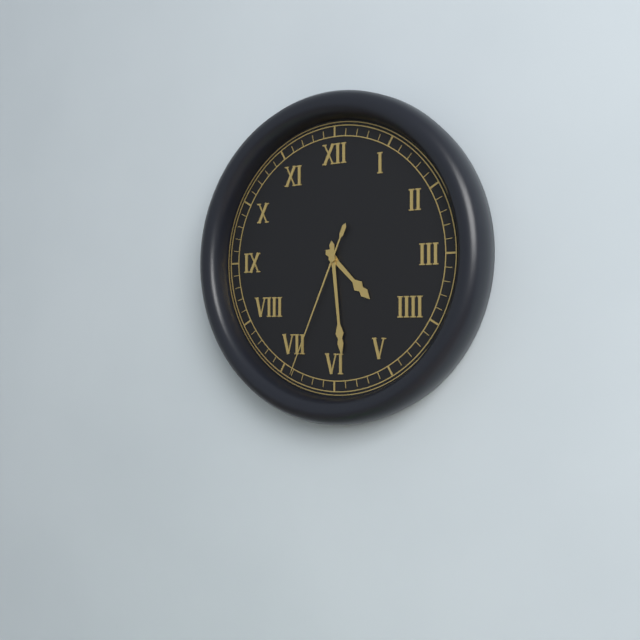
h=4 m=29 s=34
